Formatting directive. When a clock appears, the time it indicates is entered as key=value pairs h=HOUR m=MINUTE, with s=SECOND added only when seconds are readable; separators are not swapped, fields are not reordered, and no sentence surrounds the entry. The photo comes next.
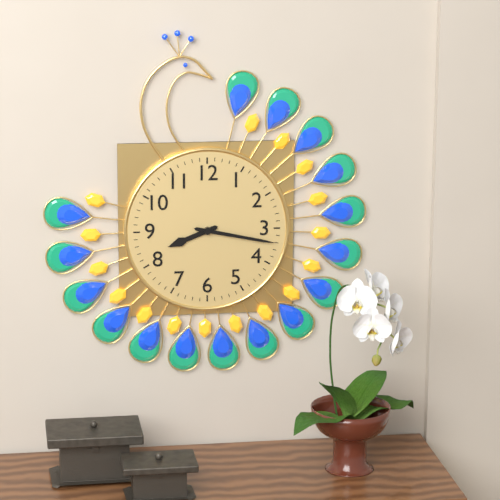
h=8 m=17
